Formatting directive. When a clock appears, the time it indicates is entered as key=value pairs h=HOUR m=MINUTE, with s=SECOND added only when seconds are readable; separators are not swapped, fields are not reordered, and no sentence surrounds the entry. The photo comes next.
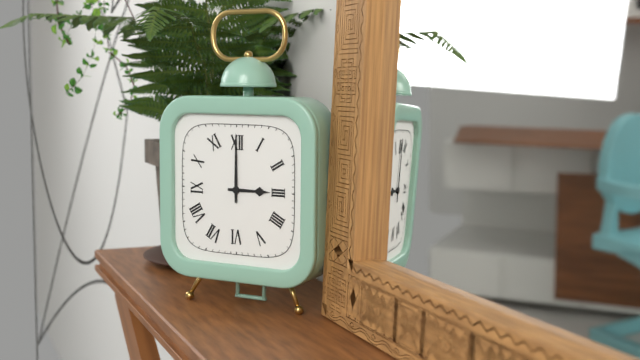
h=3 m=0
